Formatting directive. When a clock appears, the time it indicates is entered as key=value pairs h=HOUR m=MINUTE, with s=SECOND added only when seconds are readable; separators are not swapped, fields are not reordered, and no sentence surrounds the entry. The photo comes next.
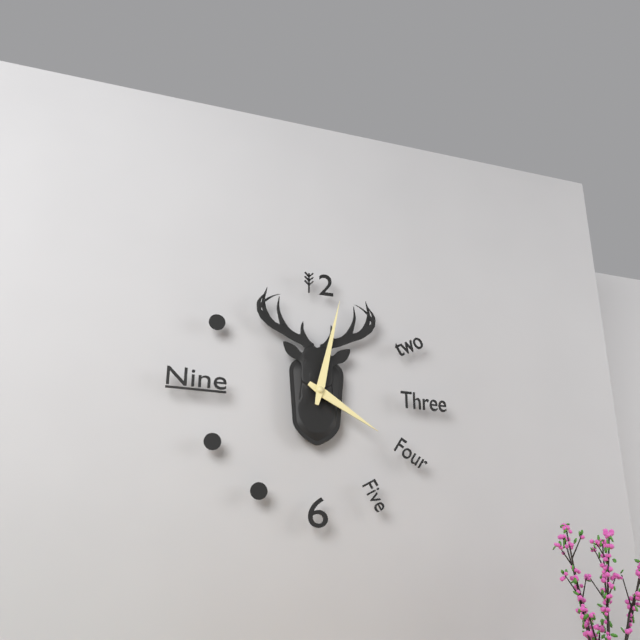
h=4 m=2
